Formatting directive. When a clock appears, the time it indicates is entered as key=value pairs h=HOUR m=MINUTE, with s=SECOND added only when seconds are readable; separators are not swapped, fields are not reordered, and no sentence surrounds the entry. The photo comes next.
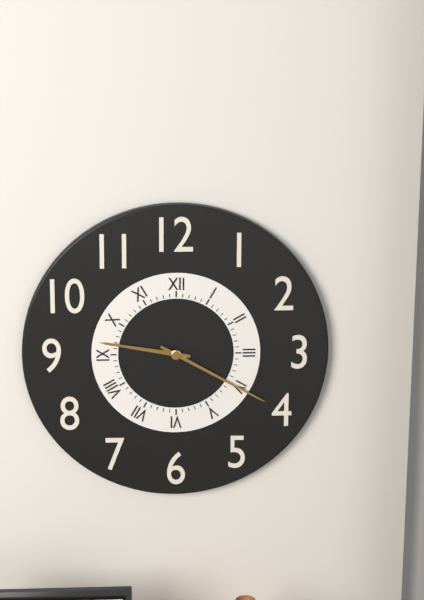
h=9 m=20
